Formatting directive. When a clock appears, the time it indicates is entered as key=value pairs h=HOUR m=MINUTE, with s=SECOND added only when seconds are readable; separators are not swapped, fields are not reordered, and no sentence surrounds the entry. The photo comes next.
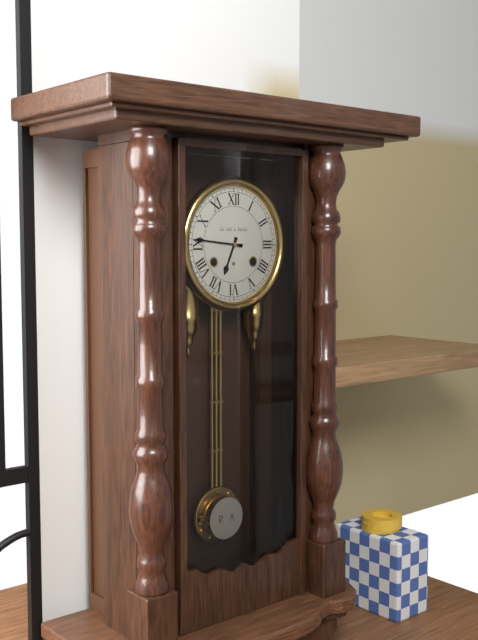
h=6 m=46
